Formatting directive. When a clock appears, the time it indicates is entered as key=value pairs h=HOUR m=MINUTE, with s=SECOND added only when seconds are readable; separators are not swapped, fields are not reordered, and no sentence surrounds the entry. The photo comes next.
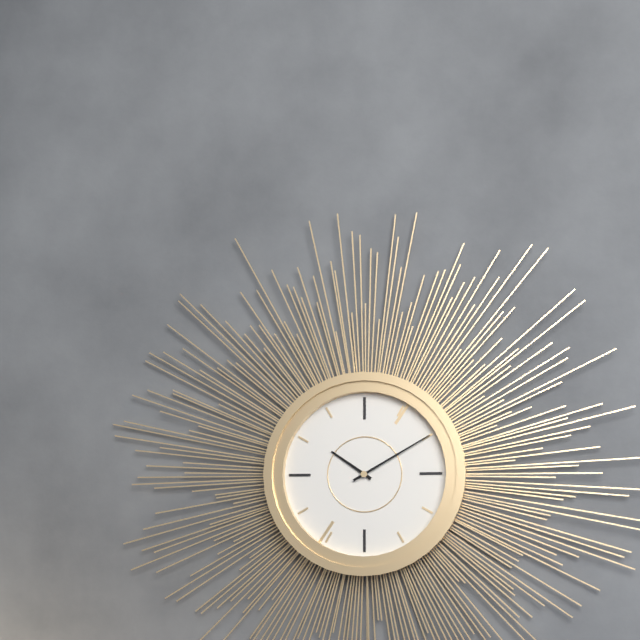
h=10 m=10
